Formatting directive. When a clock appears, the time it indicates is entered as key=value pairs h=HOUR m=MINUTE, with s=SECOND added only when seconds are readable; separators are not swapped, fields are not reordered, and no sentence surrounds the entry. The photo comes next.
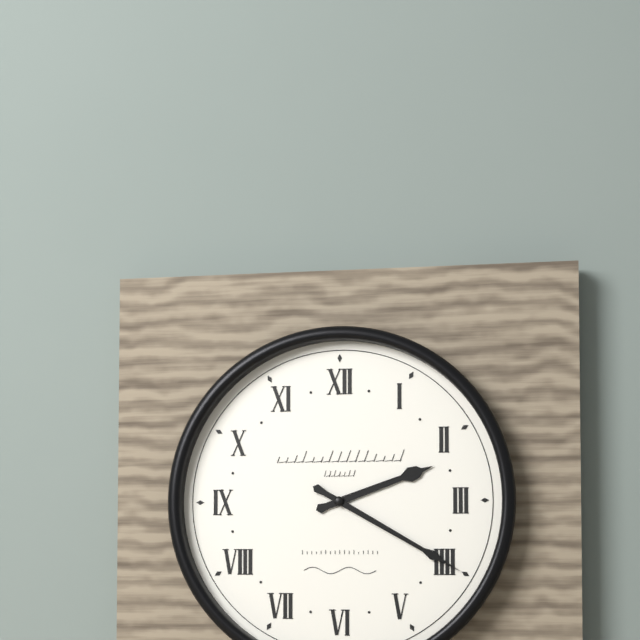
h=2 m=20
